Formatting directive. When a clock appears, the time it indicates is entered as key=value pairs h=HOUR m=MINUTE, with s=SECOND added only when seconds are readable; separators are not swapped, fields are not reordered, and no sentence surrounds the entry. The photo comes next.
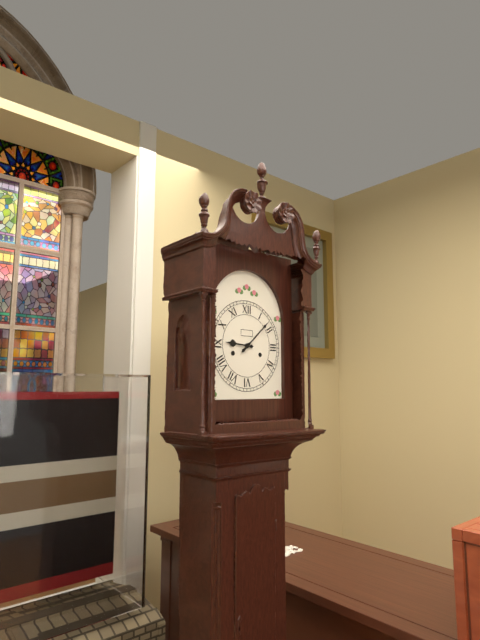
h=9 m=8
